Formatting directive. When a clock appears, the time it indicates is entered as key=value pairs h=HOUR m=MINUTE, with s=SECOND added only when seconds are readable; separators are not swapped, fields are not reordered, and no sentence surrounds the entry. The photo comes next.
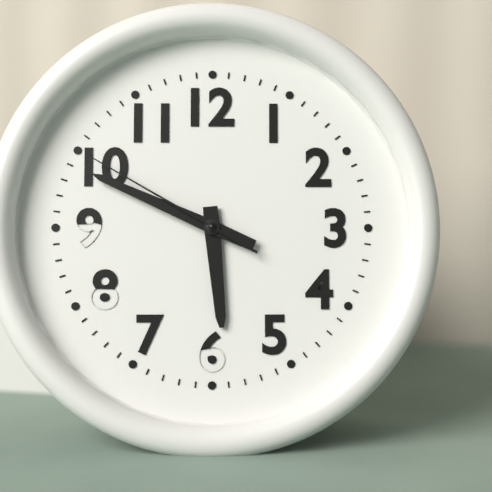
h=5 m=49 s=50
